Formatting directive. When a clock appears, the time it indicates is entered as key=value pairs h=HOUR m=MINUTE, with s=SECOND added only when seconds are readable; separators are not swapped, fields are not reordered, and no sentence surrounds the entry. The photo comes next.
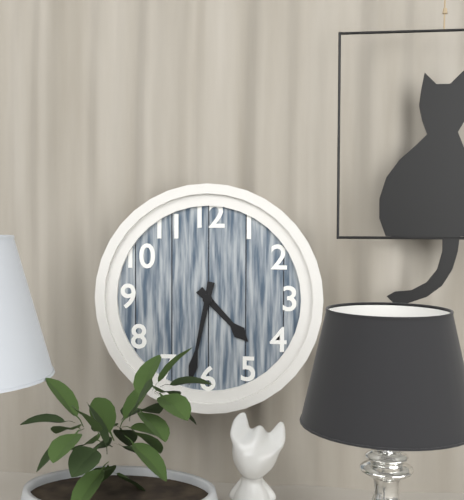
h=4 m=32
